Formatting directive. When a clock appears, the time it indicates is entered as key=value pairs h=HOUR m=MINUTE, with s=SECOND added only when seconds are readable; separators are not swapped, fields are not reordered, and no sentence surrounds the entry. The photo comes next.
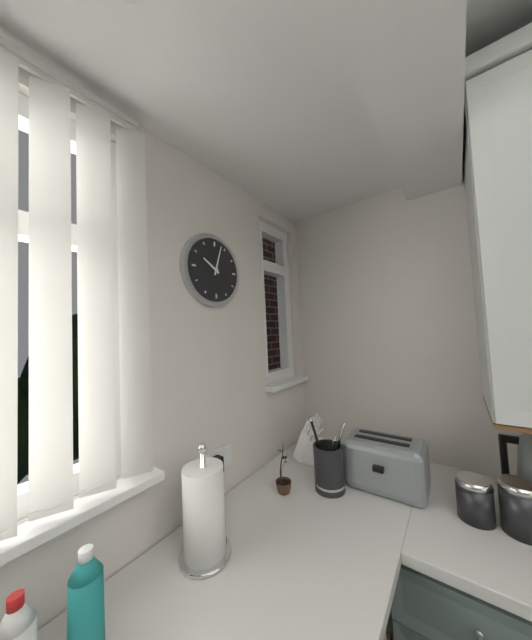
h=10 m=3
